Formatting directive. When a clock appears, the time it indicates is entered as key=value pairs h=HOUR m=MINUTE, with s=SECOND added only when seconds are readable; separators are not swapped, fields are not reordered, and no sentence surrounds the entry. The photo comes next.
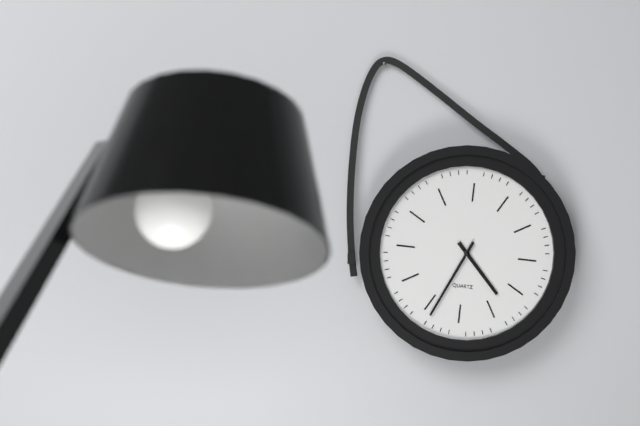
h=4 m=34
